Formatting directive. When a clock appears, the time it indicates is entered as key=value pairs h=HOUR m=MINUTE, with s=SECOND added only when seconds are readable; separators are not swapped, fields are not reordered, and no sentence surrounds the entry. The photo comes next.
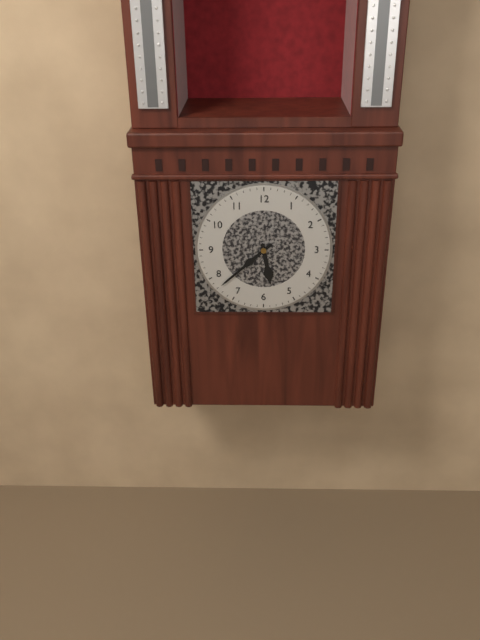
h=5 m=38
